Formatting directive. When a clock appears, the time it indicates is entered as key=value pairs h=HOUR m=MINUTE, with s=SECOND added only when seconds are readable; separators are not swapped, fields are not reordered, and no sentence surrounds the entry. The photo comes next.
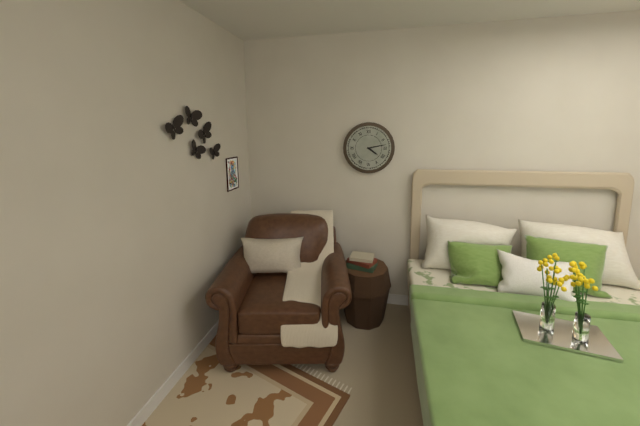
h=4 m=13
